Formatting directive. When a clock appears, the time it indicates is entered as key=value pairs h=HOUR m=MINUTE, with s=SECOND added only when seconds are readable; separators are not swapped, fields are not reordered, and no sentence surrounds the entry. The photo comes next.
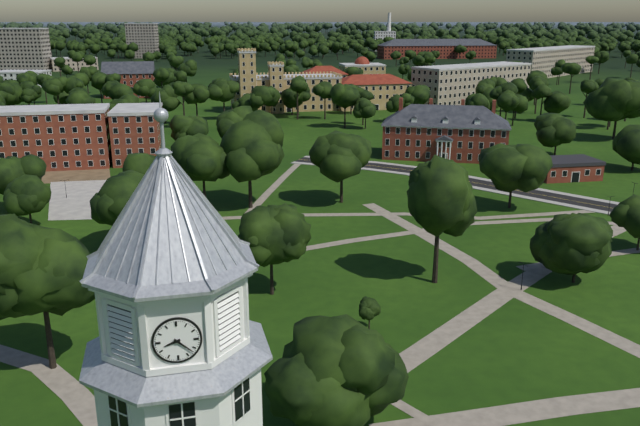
h=8 m=22
